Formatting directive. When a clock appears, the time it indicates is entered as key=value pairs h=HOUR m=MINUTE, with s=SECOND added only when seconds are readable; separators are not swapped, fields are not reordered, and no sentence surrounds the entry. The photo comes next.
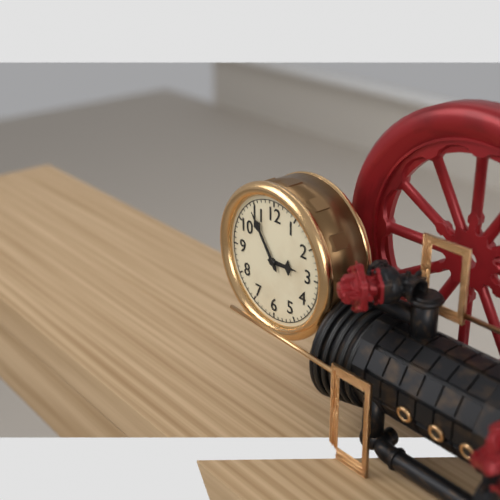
h=2 m=54
